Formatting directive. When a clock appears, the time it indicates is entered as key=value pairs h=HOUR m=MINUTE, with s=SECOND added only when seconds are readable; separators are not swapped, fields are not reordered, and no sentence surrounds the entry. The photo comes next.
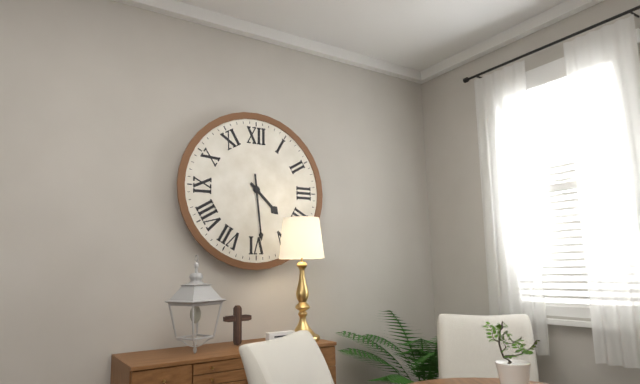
h=4 m=29
